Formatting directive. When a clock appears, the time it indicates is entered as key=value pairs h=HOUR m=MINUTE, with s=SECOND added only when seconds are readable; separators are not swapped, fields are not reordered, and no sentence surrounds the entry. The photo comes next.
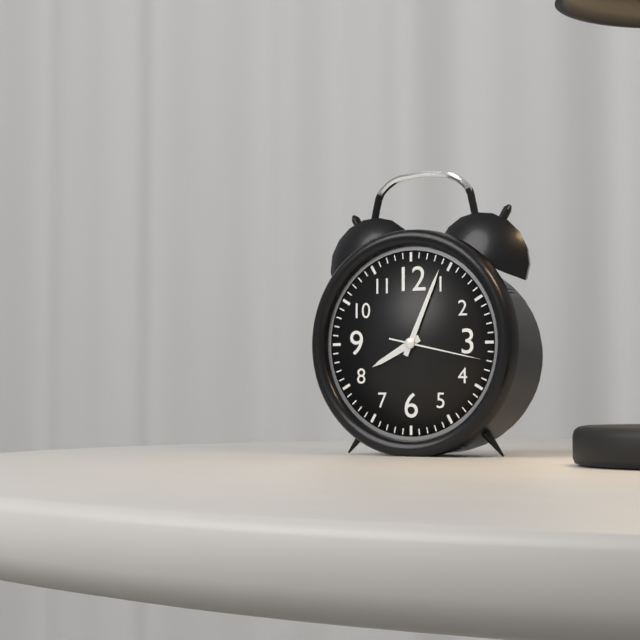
h=8 m=4 s=17
